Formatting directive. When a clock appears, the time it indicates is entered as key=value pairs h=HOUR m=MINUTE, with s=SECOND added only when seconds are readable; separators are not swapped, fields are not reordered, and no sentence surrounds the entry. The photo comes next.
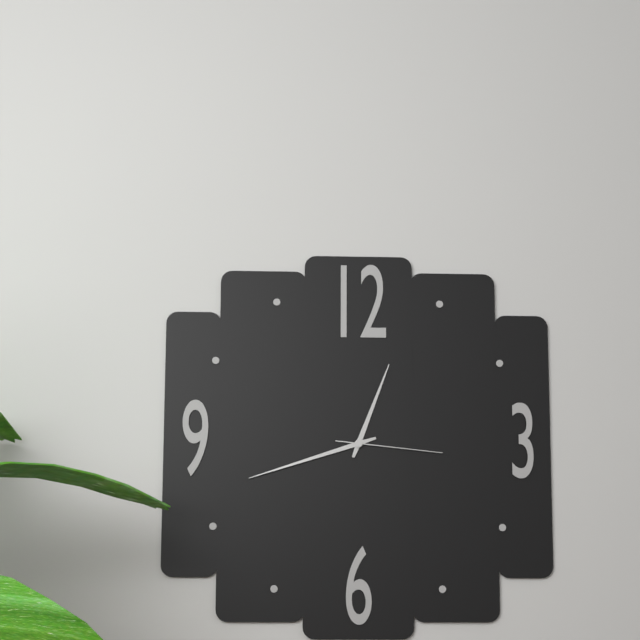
h=12 m=42 s=16
